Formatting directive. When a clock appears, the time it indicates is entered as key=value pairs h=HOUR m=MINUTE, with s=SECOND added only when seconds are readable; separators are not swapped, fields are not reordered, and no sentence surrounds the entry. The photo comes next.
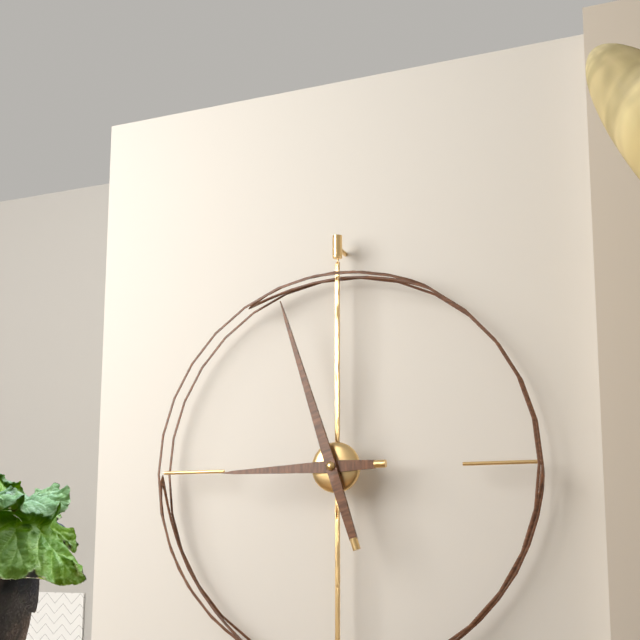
h=8 m=57
